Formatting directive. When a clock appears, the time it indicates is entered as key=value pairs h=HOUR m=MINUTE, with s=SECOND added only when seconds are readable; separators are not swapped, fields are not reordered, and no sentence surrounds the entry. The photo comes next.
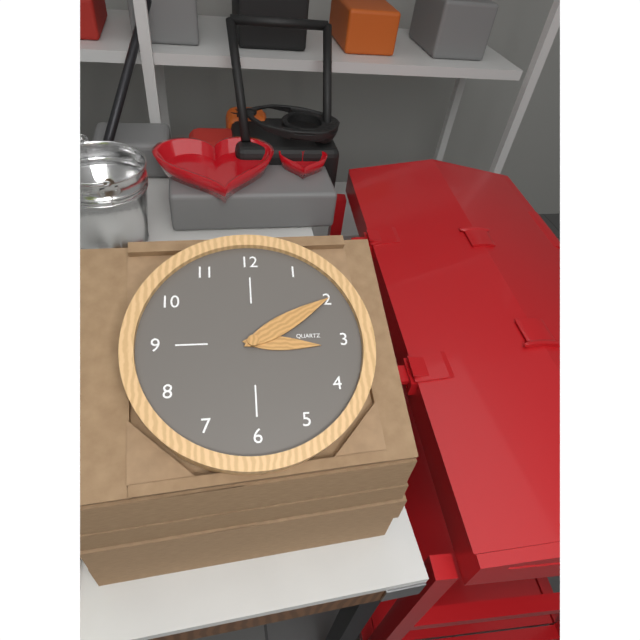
h=3 m=10
